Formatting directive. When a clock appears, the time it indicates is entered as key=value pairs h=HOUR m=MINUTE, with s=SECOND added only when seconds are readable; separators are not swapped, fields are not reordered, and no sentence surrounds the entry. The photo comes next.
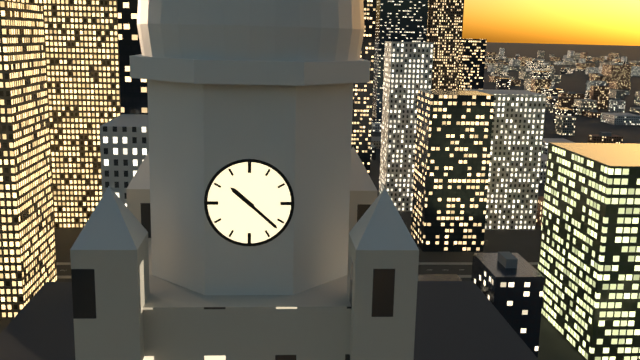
h=10 m=22
